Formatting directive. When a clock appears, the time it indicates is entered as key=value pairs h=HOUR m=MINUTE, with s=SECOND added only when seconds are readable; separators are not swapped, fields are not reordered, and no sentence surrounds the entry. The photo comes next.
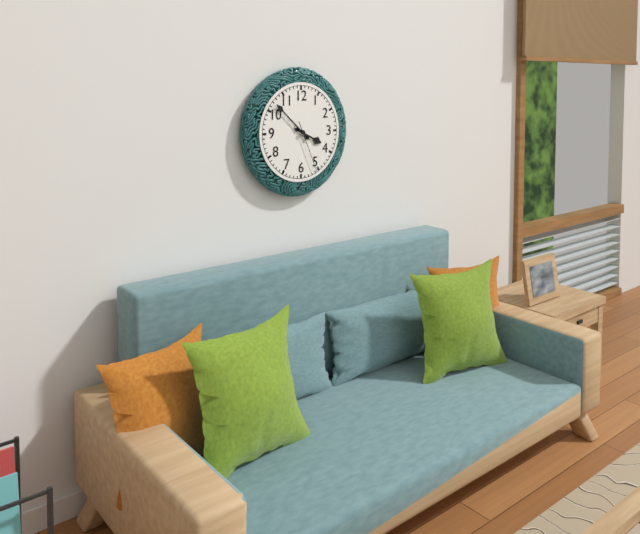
h=3 m=52 s=26
